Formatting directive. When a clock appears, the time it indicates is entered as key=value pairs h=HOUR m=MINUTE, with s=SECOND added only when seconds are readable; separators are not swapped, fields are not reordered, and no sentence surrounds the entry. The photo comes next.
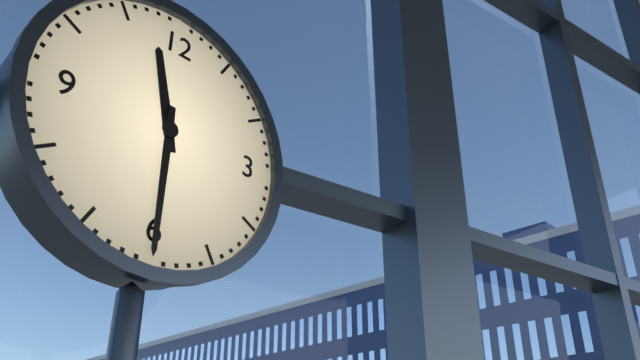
h=11 m=30
